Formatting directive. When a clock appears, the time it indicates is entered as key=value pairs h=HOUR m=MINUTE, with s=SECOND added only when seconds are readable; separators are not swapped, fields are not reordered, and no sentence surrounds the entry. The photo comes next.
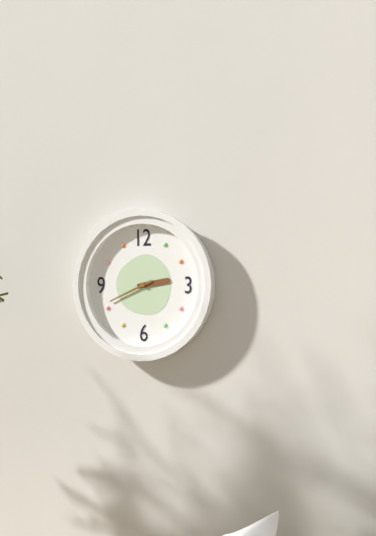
h=2 m=41
